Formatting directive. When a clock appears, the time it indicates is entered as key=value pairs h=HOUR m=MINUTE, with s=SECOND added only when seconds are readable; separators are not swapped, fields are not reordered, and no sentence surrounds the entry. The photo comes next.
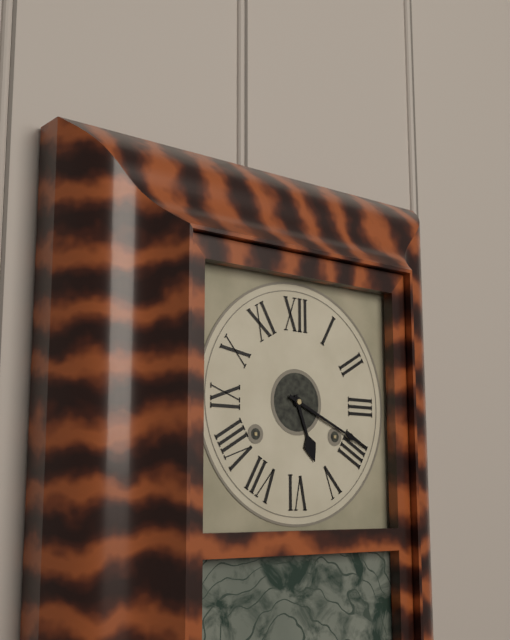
h=5 m=19
